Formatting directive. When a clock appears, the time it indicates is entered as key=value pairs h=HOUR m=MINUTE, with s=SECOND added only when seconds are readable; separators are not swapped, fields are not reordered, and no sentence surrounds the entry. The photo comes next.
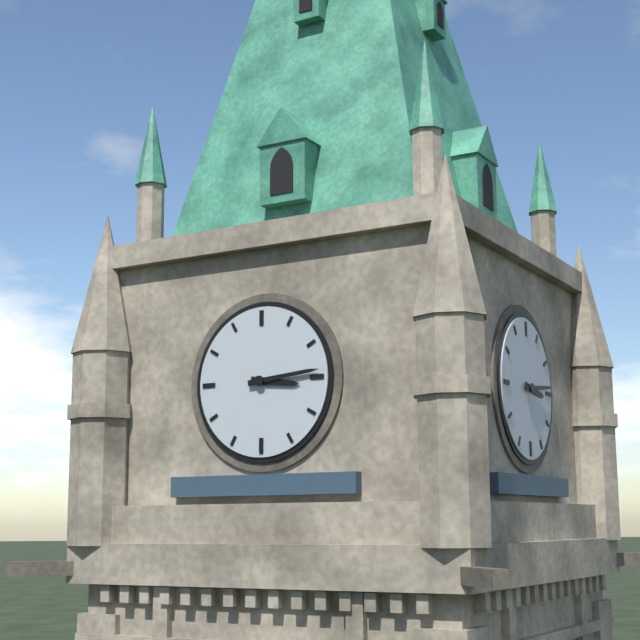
h=3 m=14
